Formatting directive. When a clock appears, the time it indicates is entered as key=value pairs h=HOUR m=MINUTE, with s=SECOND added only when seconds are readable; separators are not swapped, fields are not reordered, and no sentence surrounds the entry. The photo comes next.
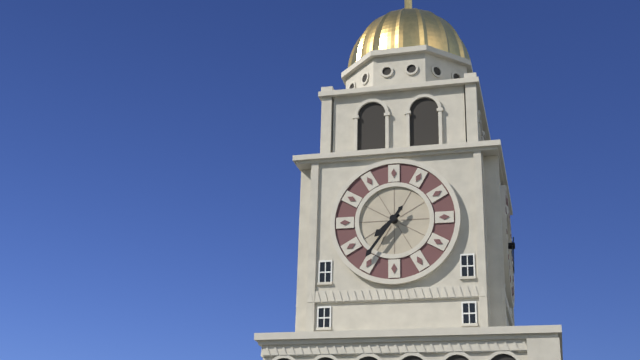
h=7 m=36
